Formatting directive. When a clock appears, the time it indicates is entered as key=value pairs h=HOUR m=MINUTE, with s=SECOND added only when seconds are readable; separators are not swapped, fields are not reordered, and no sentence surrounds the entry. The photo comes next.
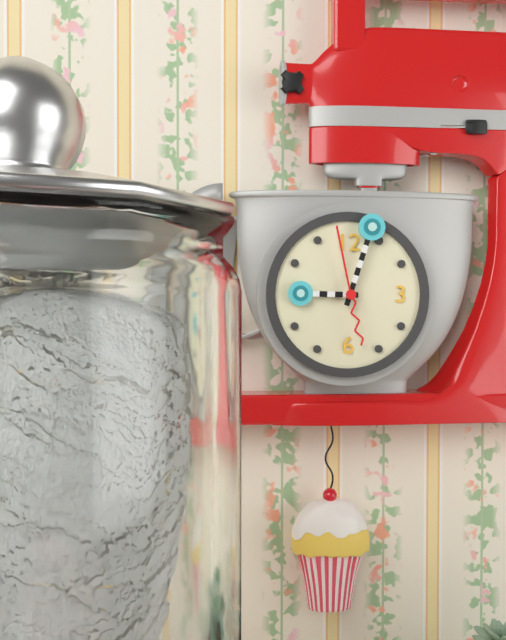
h=9 m=3 s=58
